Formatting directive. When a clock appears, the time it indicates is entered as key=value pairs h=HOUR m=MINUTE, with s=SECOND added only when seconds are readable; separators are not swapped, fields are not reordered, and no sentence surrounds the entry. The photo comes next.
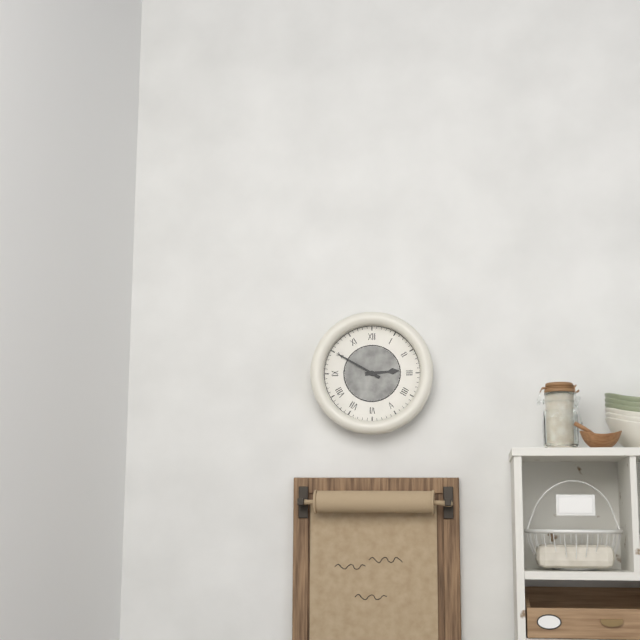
h=2 m=50
